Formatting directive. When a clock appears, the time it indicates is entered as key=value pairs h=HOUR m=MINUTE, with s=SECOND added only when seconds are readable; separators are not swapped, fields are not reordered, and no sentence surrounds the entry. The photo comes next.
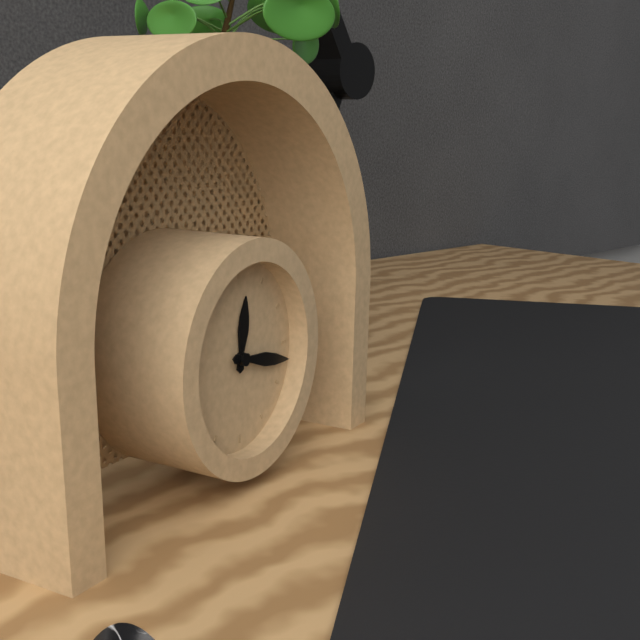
h=12 m=17
